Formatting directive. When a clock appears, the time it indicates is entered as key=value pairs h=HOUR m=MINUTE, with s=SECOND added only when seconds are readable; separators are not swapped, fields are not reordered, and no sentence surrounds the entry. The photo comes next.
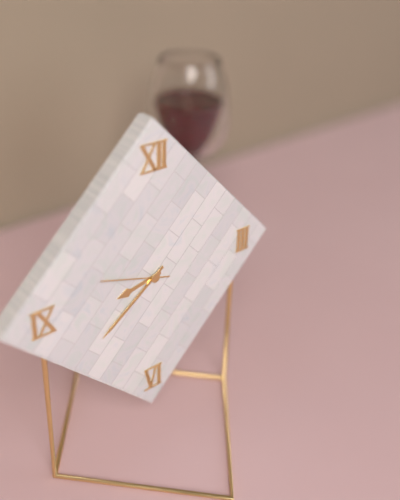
h=8 m=39 s=48
